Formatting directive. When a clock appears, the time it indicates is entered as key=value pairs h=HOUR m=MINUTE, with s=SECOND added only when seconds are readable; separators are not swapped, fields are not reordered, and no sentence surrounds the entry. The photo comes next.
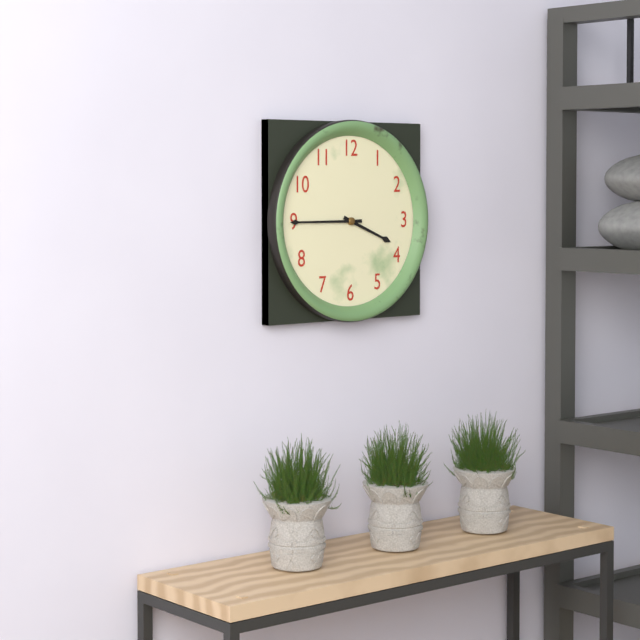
h=3 m=45
